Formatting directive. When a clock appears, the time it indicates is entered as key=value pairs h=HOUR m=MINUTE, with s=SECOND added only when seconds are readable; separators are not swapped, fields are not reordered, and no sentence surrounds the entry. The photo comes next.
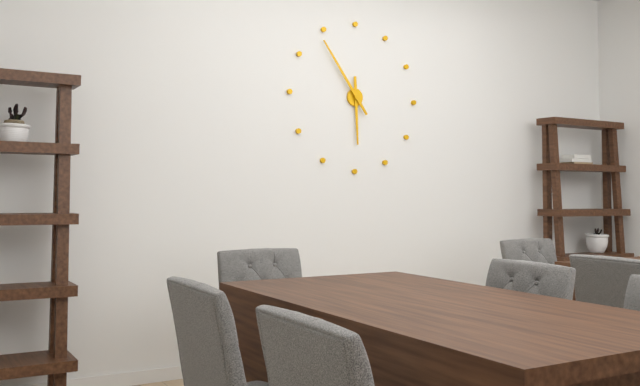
h=5 m=54
